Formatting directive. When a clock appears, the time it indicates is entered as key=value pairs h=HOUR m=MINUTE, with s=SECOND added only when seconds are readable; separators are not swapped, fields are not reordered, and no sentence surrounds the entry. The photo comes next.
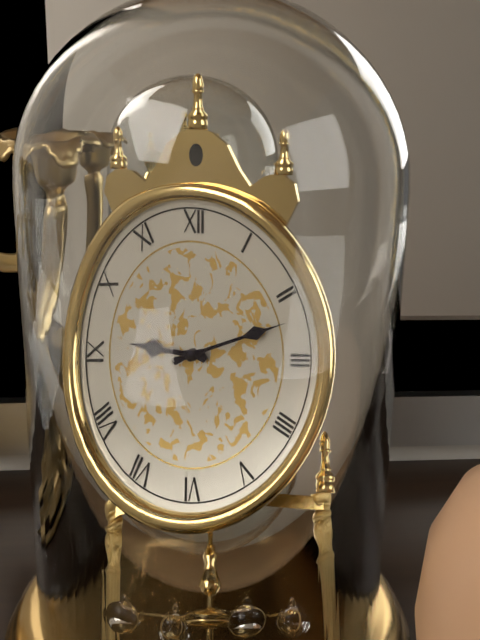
h=9 m=12
